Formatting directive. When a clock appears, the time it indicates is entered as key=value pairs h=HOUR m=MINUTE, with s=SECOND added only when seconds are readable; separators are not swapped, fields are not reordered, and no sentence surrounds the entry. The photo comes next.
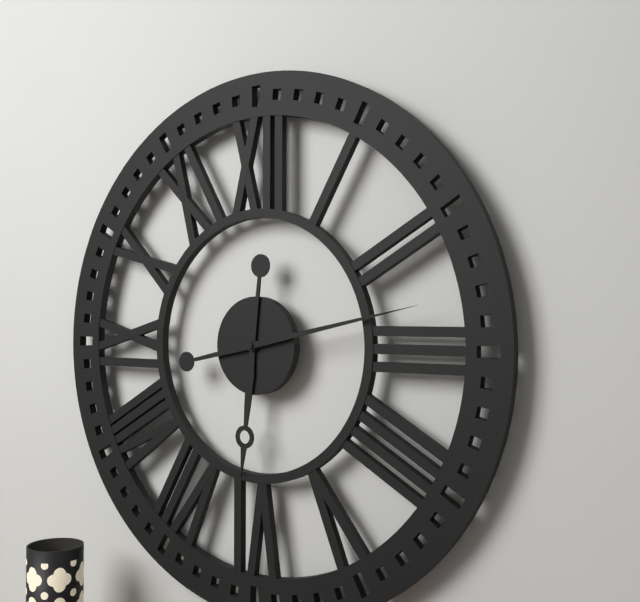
h=6 m=13
